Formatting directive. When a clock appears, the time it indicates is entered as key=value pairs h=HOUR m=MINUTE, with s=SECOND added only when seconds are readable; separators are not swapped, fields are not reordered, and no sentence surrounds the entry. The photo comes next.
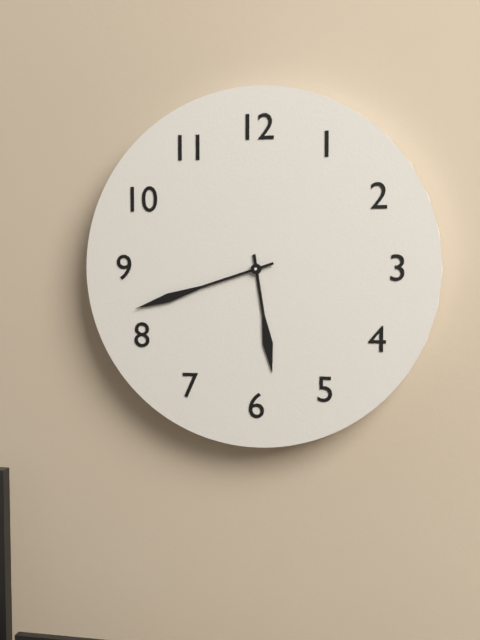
h=5 m=42
